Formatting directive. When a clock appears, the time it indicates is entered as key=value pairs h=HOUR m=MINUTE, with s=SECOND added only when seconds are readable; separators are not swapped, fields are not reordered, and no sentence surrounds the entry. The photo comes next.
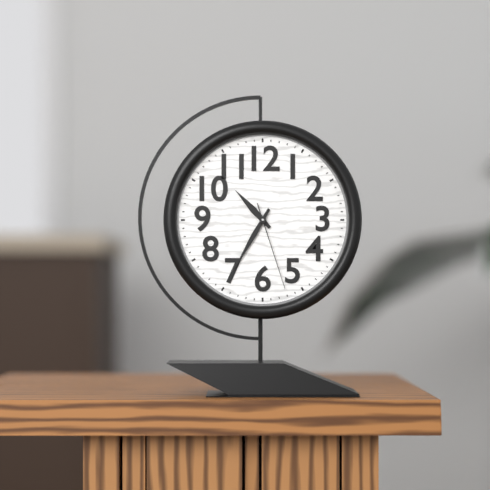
h=10 m=35 s=27
